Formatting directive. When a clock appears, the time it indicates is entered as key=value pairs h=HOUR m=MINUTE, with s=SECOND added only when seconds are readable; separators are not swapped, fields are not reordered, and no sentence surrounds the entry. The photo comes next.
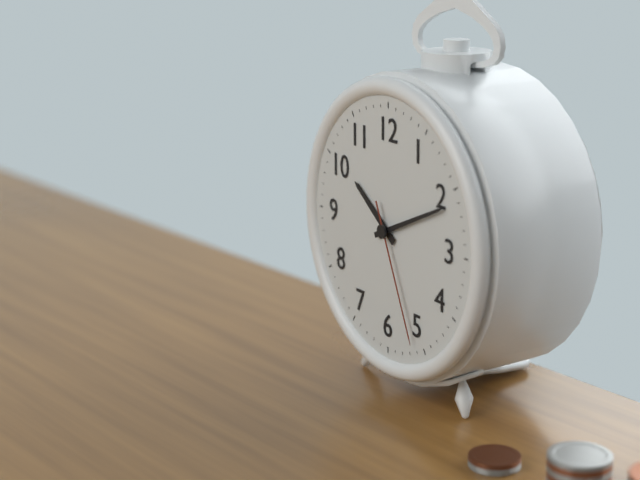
h=10 m=11 s=26
